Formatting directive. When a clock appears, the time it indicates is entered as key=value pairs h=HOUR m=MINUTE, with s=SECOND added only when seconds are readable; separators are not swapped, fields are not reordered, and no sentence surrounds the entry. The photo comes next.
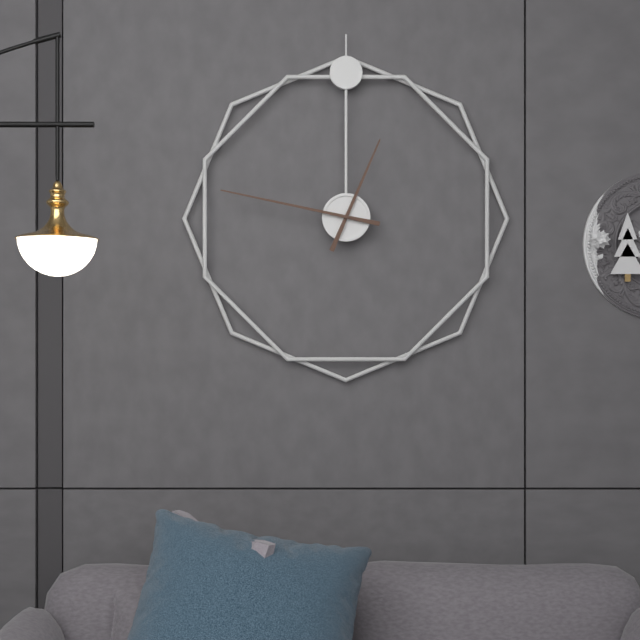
h=12 m=47
